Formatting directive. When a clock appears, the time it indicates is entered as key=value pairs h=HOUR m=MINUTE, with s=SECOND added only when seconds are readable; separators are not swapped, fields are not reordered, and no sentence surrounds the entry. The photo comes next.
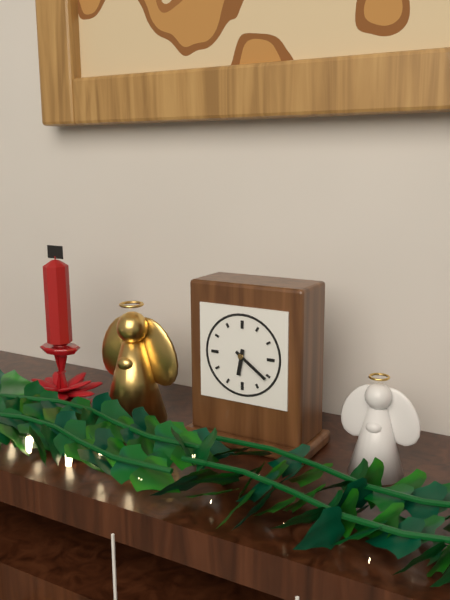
h=6 m=21
